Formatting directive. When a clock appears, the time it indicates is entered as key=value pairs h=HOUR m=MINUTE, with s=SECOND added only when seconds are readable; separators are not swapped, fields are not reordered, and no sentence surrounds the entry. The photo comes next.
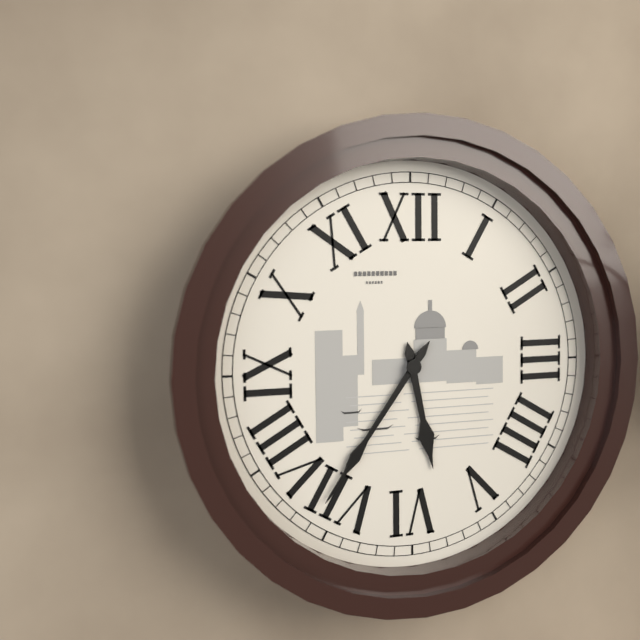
h=5 m=36
